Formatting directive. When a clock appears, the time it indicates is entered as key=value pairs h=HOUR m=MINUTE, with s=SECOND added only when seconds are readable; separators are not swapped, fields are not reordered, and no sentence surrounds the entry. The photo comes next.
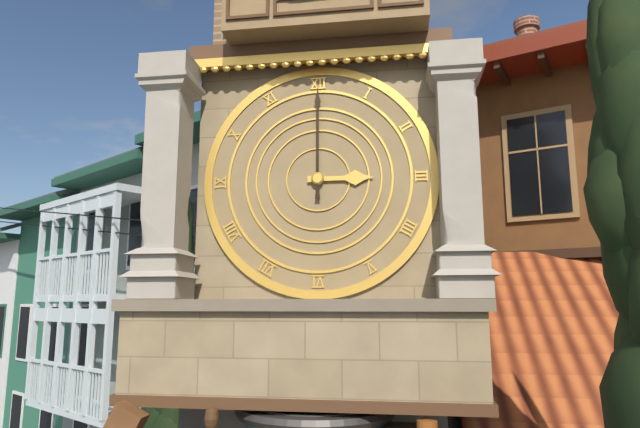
h=3 m=0
